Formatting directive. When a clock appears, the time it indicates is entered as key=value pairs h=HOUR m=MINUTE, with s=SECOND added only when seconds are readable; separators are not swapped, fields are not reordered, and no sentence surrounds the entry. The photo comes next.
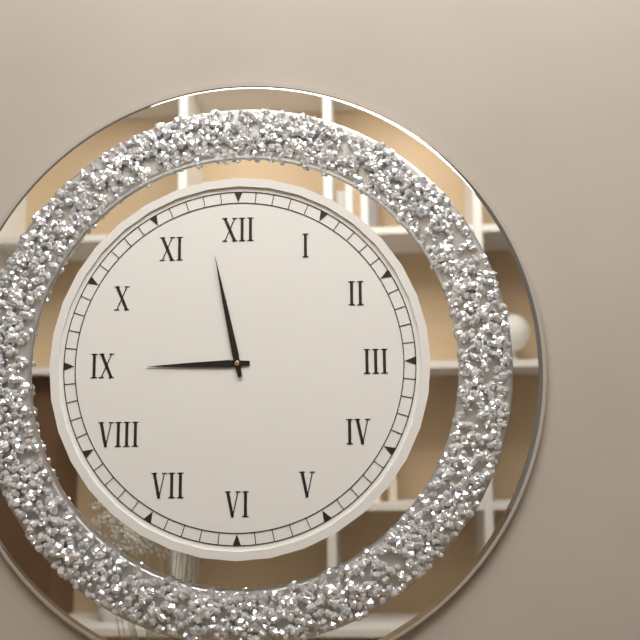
h=8 m=58
